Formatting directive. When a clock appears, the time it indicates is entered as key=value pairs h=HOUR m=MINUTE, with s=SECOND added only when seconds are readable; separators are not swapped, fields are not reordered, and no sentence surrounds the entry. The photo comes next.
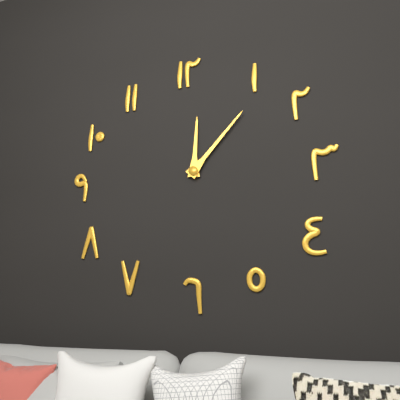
h=12 m=7
